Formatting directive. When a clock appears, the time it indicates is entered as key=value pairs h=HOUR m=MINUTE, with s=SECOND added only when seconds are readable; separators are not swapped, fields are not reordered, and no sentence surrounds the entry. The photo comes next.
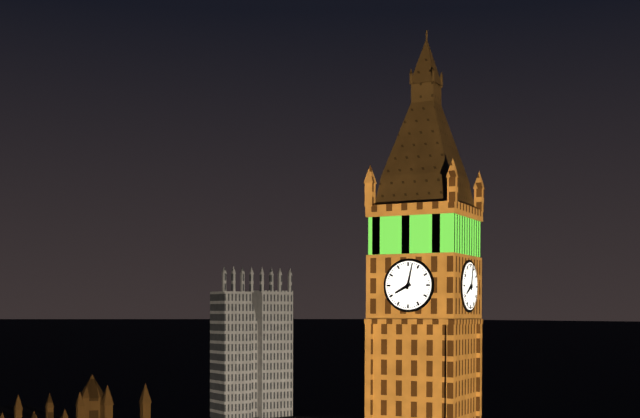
h=8 m=2
